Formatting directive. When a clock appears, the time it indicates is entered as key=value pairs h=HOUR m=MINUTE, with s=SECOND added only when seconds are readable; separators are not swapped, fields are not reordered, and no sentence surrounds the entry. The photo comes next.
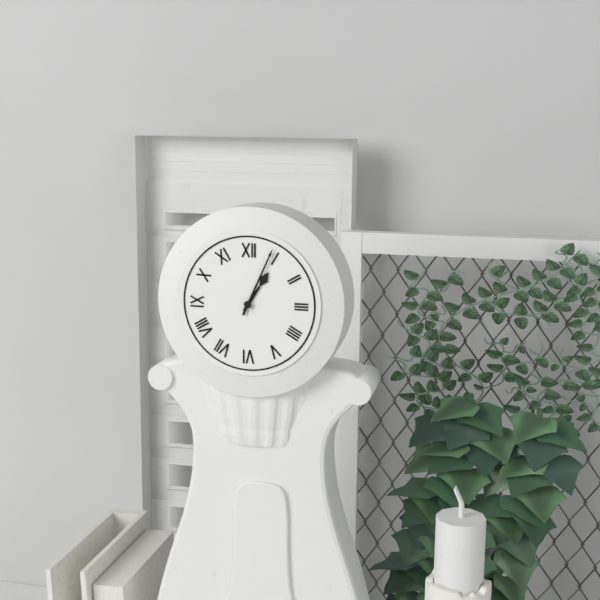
h=1 m=4
